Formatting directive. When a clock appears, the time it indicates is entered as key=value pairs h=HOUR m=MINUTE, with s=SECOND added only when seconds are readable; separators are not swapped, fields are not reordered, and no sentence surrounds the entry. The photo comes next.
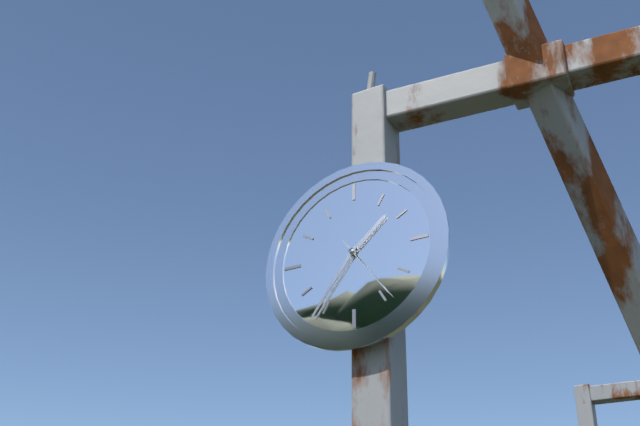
h=1 m=36 s=24
